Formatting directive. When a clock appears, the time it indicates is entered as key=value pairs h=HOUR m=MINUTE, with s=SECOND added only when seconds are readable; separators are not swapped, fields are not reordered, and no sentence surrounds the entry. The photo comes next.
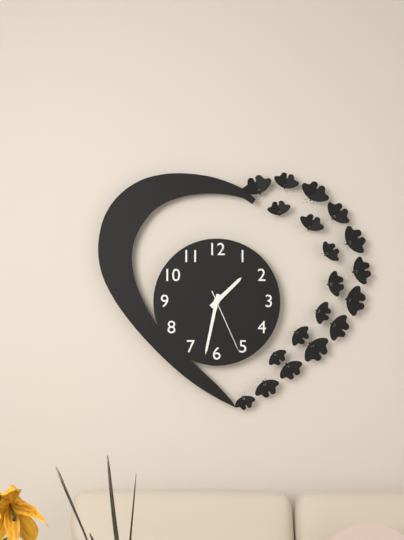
h=1 m=32 s=26
